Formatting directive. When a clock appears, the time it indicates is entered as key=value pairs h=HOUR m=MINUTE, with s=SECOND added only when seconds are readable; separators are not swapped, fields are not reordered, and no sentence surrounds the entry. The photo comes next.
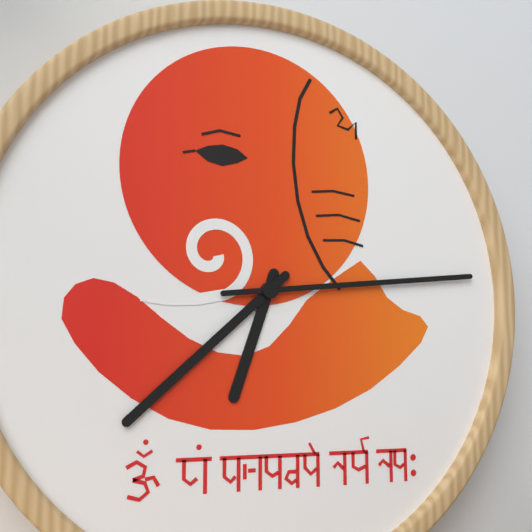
h=6 m=38 s=14
